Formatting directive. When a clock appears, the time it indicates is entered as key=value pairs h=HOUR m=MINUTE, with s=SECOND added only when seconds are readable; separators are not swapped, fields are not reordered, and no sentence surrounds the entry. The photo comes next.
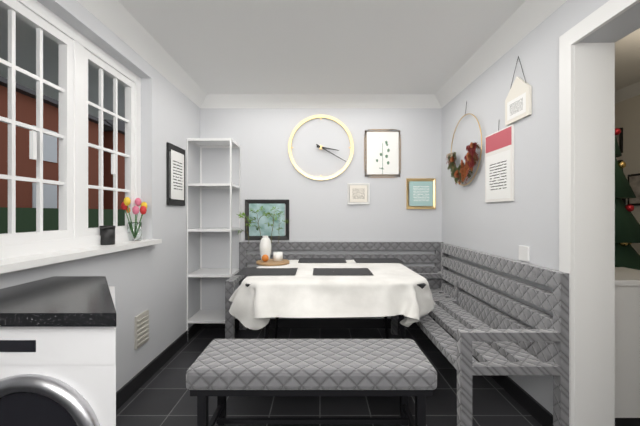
h=3 m=20
